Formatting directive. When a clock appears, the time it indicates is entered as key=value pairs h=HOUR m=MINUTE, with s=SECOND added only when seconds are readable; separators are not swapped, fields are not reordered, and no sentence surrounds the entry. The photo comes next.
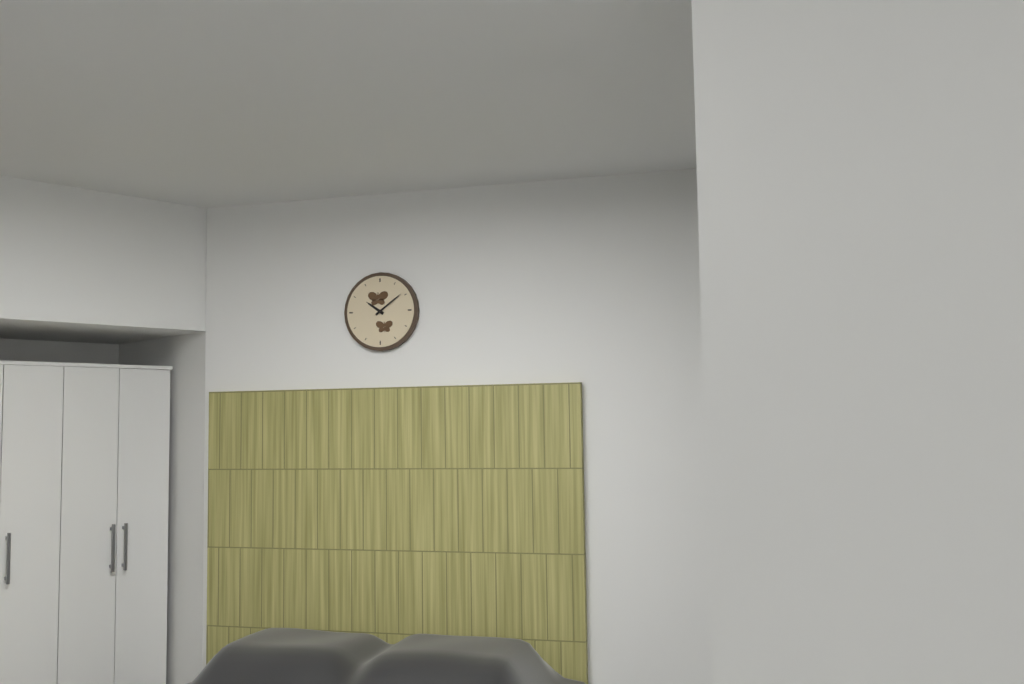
h=10 m=9
